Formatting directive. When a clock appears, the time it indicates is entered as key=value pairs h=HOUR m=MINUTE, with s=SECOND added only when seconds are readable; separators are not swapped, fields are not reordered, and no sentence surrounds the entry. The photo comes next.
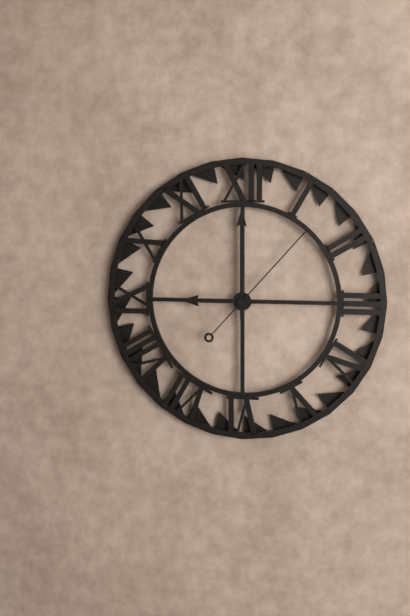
h=9 m=0 s=7
